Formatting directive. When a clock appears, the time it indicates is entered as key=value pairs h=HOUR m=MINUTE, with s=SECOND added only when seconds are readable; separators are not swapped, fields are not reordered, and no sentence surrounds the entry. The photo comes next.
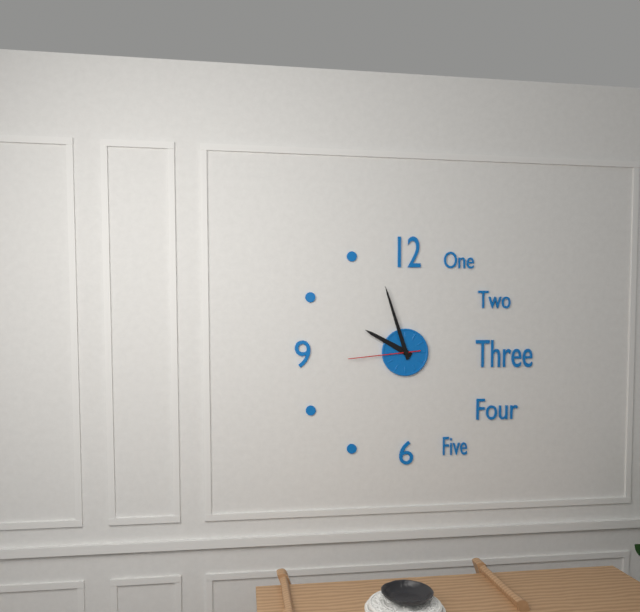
h=9 m=57 s=44
